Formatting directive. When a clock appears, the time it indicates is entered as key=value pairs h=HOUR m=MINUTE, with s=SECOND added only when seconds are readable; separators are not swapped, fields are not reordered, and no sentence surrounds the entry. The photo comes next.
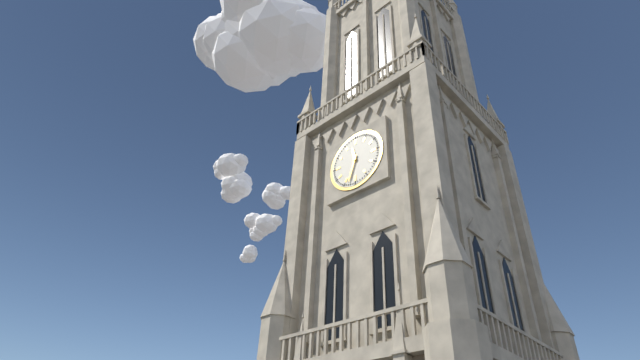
h=11 m=33
